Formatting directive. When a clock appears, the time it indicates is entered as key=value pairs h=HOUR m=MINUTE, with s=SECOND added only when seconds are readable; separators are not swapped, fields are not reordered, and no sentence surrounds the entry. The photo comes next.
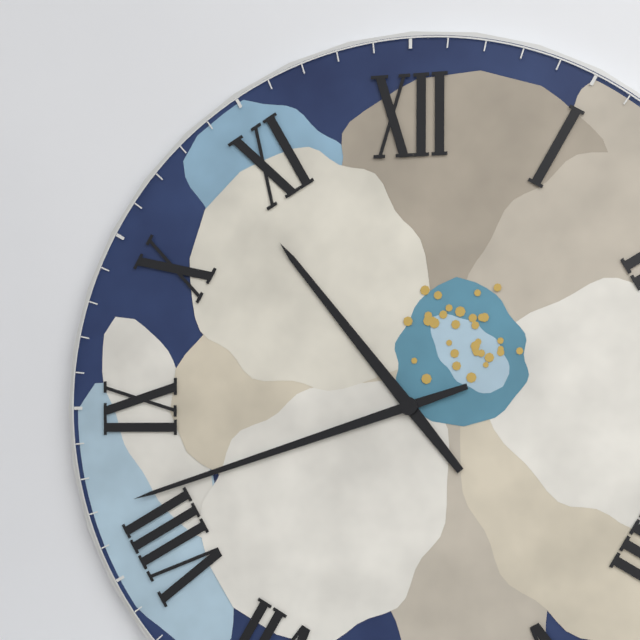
h=10 m=42
